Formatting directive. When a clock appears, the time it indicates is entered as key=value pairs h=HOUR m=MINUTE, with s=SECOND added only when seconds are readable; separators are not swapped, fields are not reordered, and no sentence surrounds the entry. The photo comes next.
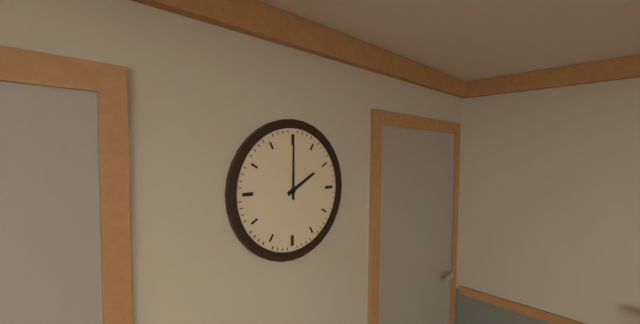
h=2 m=0
